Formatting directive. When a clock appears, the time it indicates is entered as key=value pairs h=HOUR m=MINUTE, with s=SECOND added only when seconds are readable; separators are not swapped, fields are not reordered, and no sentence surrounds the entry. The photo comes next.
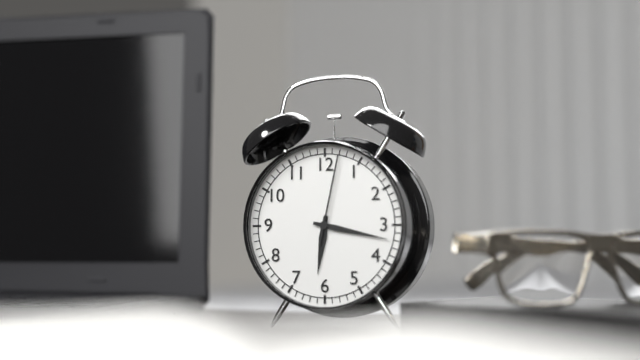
h=6 m=17 s=2
